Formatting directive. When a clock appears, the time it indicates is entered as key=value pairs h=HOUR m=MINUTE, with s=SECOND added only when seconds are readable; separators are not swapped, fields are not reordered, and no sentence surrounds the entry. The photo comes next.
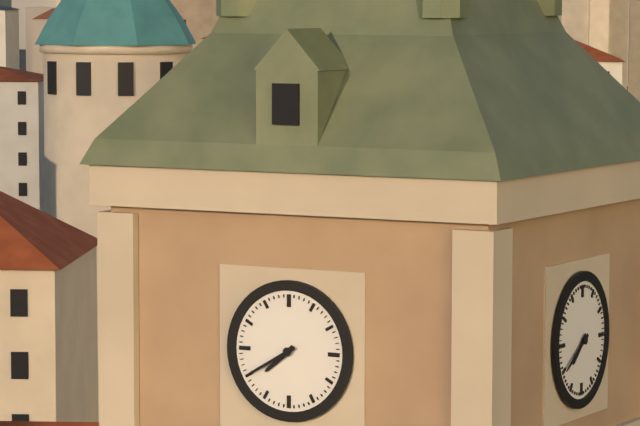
h=7 m=40
